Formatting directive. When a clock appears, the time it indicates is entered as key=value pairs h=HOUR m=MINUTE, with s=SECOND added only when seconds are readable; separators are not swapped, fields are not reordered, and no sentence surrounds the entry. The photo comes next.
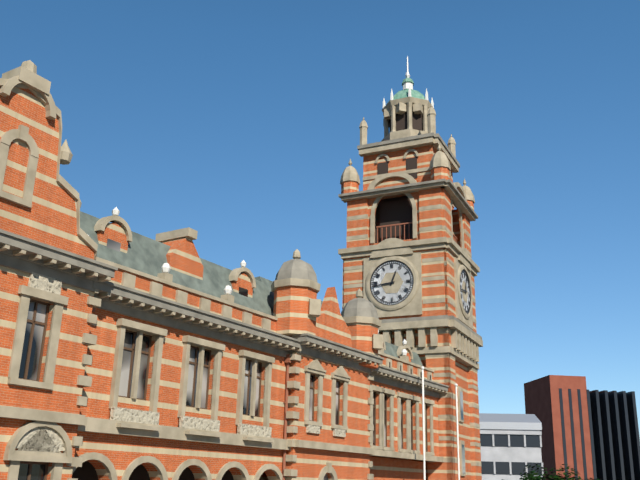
h=12 m=44
